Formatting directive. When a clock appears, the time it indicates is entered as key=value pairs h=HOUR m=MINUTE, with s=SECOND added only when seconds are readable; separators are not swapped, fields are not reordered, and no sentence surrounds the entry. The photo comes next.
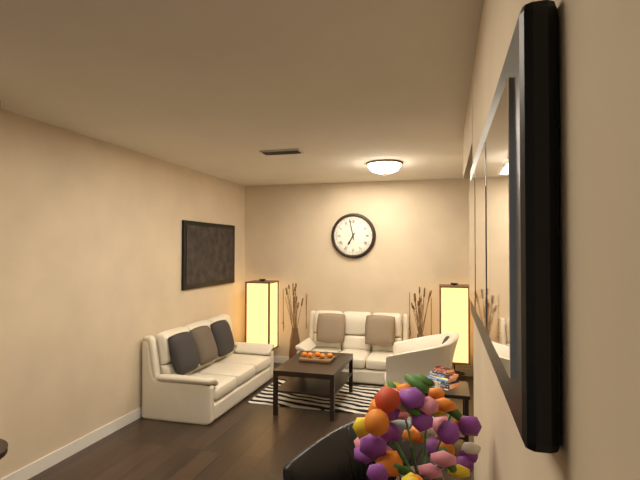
h=6 m=58
